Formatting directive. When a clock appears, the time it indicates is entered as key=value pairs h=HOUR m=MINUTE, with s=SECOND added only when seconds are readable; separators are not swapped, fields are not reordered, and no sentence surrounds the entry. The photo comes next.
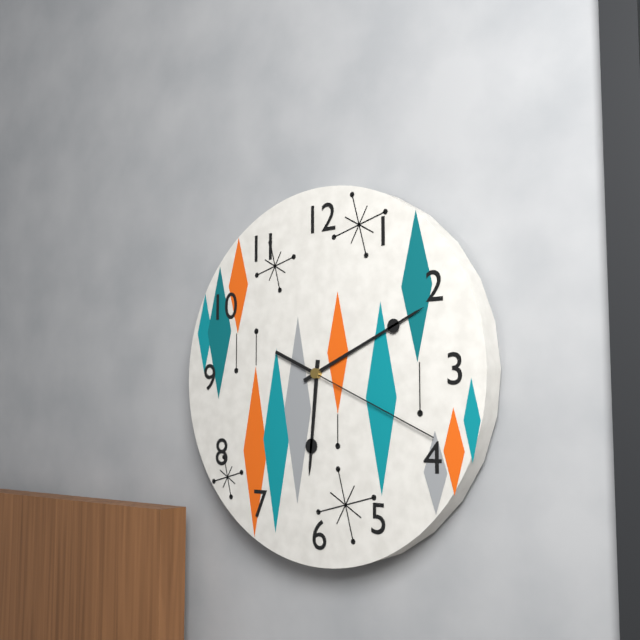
h=6 m=11 s=19
